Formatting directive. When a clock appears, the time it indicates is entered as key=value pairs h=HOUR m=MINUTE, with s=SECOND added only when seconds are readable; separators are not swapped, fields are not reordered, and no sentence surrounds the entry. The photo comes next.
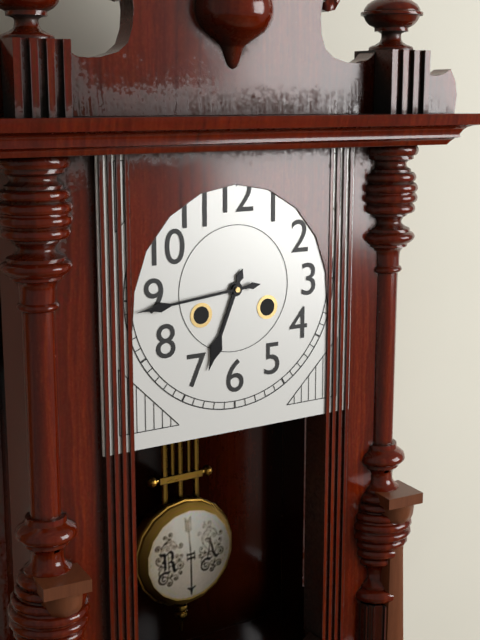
h=6 m=44
